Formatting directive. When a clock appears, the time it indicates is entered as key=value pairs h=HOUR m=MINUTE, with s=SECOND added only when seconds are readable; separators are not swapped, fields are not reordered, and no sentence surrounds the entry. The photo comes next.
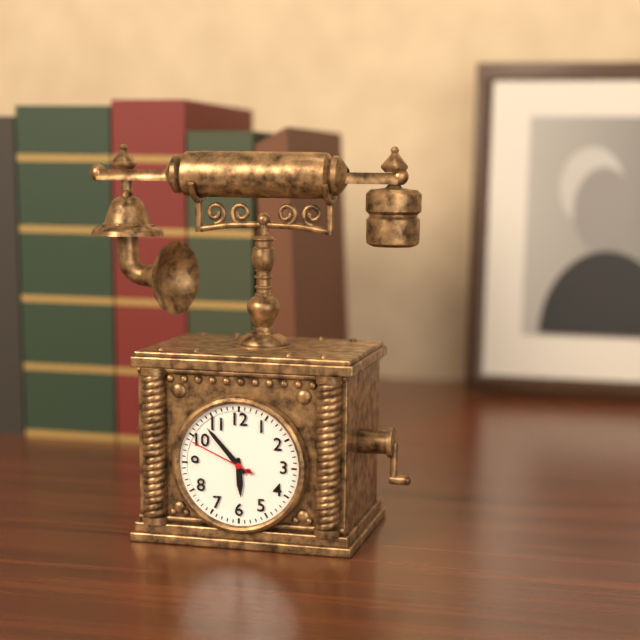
h=5 m=53 s=49
